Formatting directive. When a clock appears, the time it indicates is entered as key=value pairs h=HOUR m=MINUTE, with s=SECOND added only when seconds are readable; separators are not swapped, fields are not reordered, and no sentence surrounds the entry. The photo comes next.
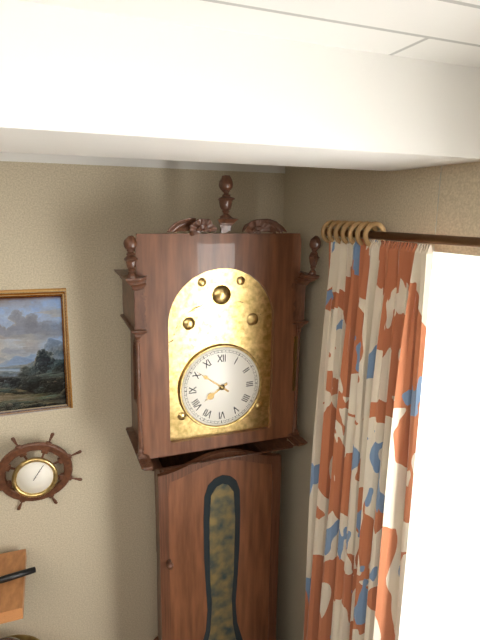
h=7 m=51
